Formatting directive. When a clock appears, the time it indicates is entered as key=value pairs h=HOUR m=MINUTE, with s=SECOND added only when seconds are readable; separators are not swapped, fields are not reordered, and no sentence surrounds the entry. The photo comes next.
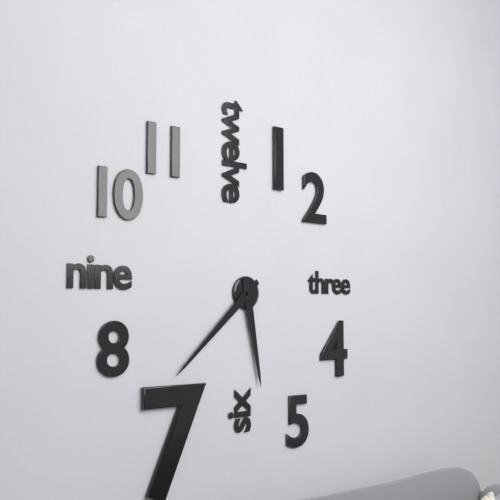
h=5 m=38
